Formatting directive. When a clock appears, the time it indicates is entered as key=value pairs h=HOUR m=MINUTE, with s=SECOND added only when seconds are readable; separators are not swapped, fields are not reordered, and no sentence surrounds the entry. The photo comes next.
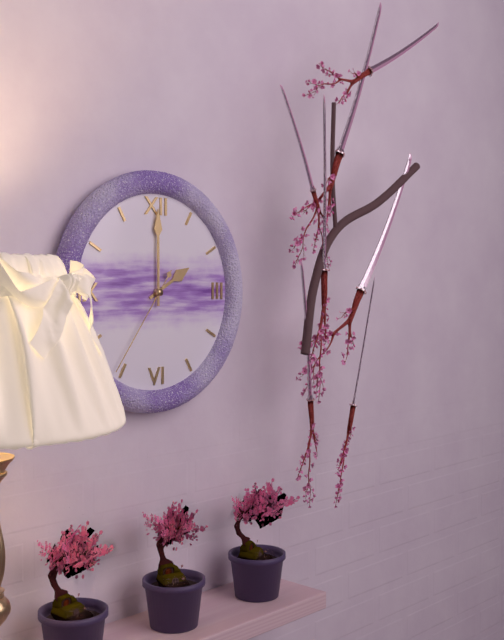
h=2 m=0 s=36
